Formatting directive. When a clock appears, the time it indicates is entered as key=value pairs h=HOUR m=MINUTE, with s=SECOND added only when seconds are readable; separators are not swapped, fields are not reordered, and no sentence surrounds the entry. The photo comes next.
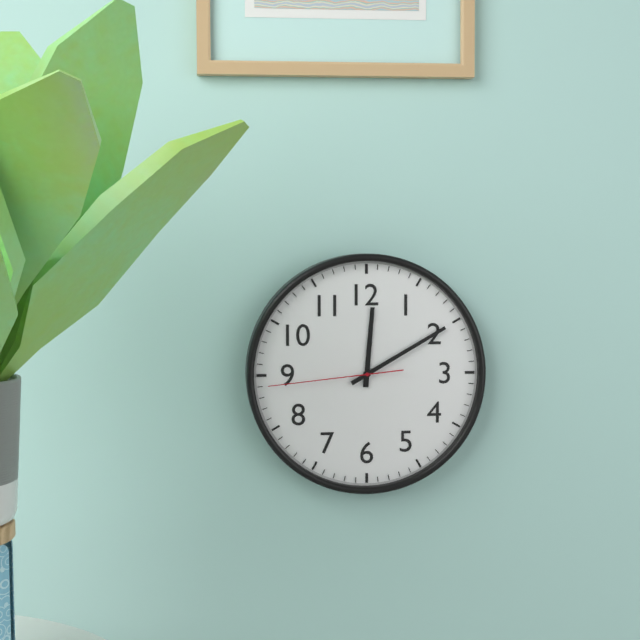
h=12 m=10 s=44
